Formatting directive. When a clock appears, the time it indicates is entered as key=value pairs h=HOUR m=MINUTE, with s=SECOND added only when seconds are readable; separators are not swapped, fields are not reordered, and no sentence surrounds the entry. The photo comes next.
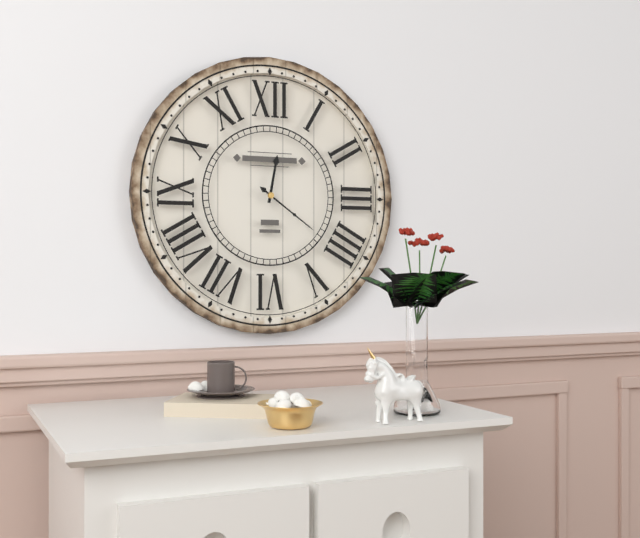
h=12 m=21
